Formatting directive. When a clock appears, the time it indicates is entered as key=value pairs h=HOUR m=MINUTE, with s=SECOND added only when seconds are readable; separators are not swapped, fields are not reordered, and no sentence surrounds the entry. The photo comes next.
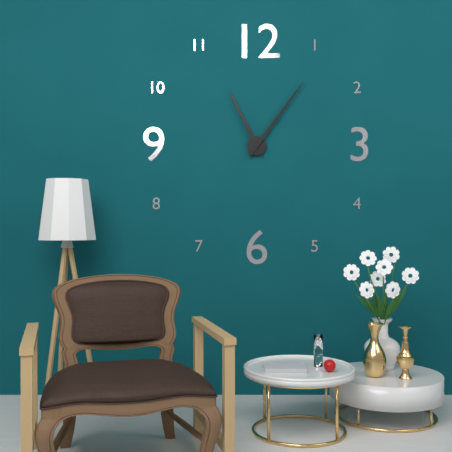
h=11 m=6
